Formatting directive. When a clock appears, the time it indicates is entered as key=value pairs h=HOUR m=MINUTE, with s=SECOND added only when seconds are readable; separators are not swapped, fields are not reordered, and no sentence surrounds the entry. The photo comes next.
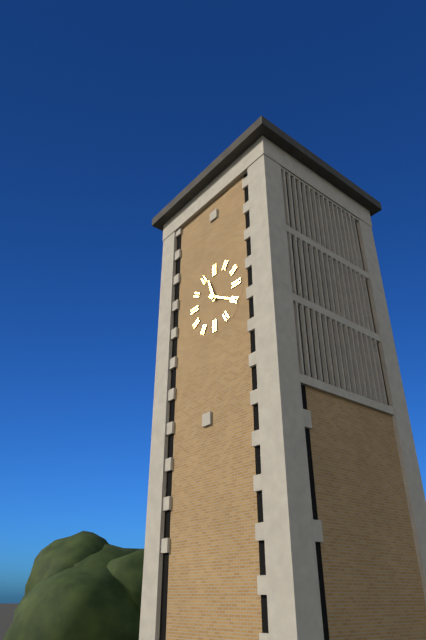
h=11 m=20
